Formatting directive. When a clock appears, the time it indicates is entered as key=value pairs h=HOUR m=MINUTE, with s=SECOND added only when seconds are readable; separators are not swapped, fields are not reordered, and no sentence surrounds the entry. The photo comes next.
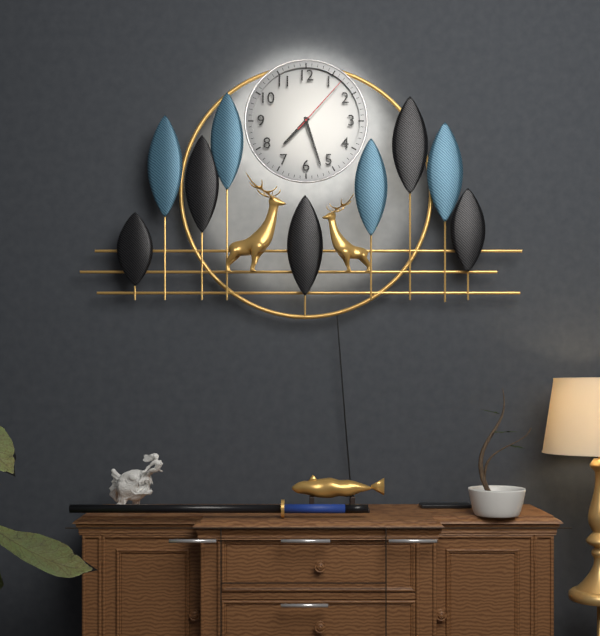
h=7 m=27 s=7
